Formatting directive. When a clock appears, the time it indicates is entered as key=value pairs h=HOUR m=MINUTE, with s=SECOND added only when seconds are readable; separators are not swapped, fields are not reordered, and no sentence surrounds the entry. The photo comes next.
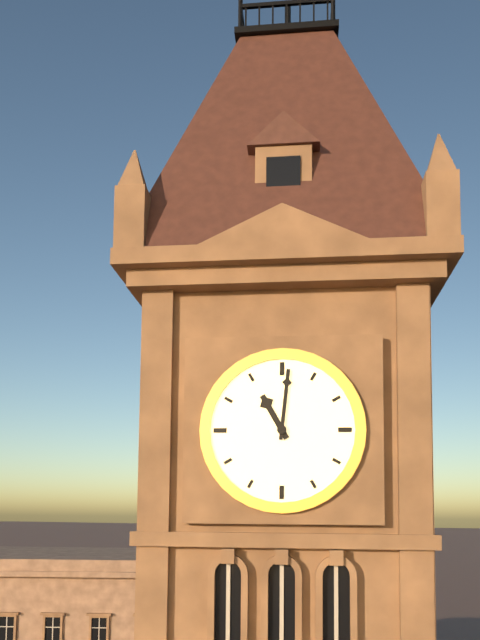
h=11 m=1
